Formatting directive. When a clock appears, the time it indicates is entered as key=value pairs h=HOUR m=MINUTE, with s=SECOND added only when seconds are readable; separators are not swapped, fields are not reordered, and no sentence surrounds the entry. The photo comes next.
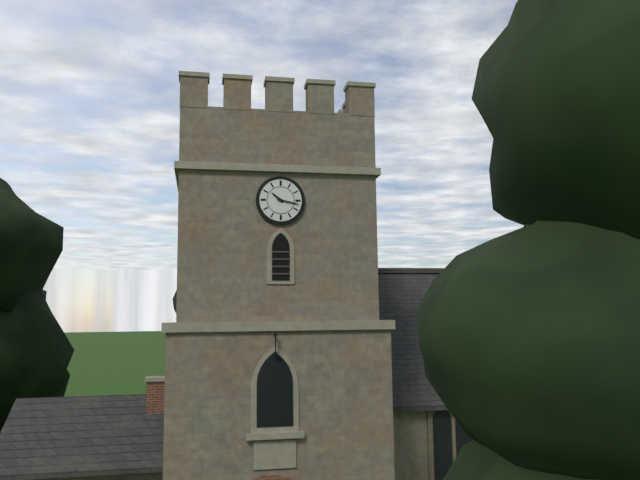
h=10 m=17
